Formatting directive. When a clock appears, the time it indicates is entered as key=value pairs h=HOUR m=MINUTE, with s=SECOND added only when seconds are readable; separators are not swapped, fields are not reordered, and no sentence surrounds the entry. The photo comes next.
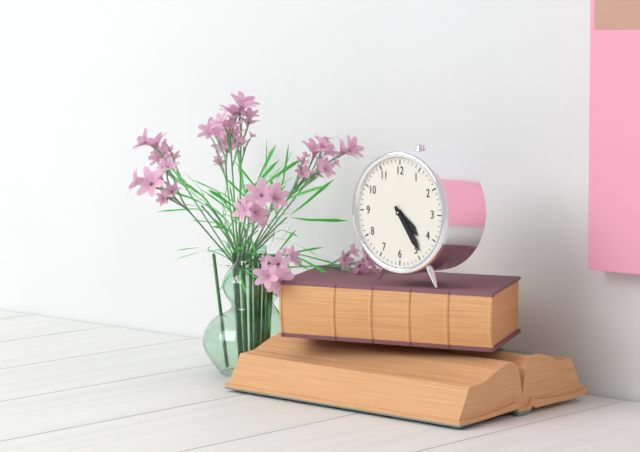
h=4 m=24
